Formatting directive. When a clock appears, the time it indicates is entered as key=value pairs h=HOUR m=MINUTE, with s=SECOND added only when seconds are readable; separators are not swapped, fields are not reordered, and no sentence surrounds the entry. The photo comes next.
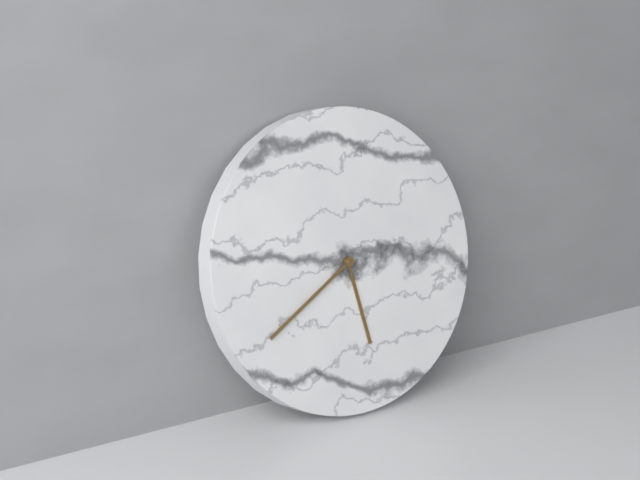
h=5 m=40
